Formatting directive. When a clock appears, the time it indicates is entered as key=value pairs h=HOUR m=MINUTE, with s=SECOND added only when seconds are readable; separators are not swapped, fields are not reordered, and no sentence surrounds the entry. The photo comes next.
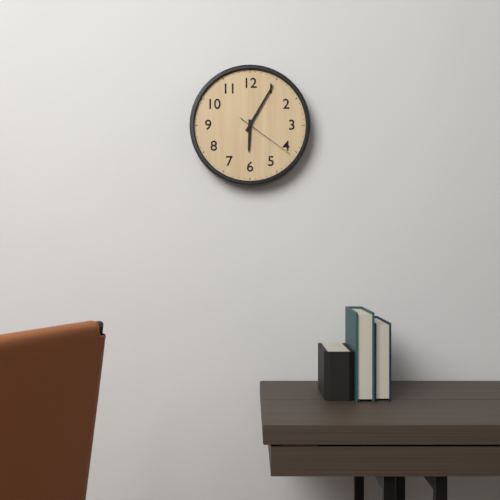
h=6 m=5 s=21
